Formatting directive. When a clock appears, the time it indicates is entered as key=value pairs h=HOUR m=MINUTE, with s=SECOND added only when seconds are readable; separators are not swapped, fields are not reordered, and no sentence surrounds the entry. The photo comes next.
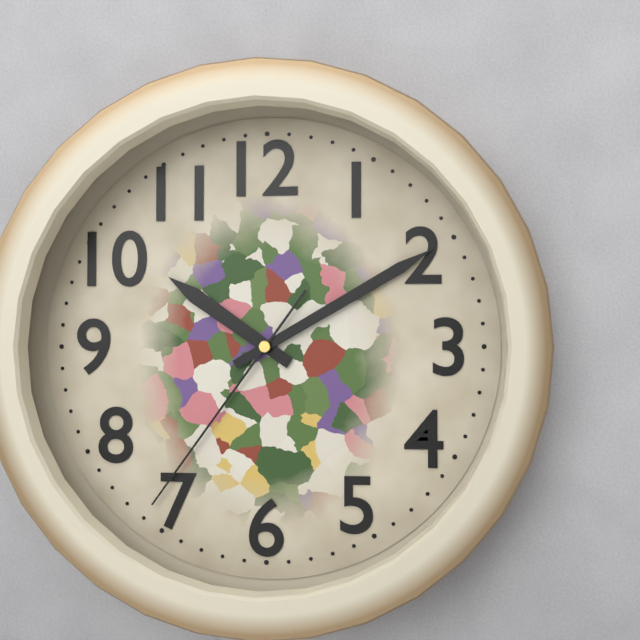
h=10 m=10 s=36
